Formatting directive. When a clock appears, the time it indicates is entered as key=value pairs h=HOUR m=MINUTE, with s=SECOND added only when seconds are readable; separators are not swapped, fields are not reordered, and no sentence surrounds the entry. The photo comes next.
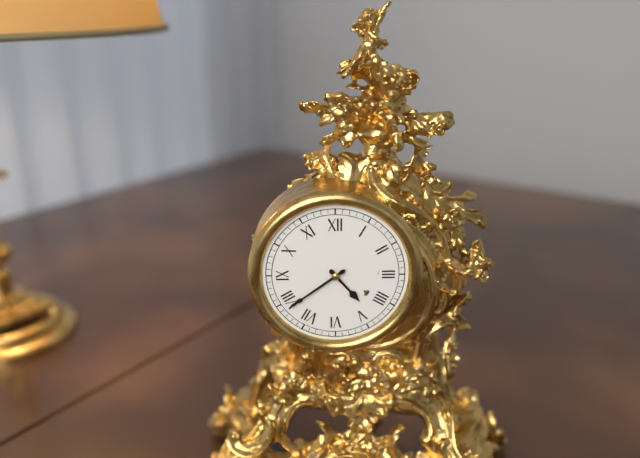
h=4 m=39
